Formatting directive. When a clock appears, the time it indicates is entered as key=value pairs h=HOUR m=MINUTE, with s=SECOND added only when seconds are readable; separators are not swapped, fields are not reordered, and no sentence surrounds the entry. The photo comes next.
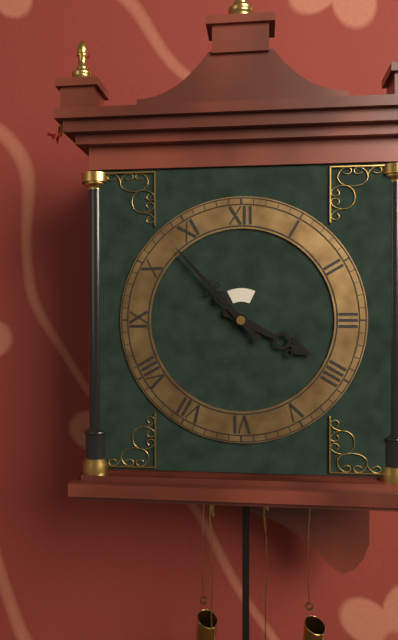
h=3 m=53
